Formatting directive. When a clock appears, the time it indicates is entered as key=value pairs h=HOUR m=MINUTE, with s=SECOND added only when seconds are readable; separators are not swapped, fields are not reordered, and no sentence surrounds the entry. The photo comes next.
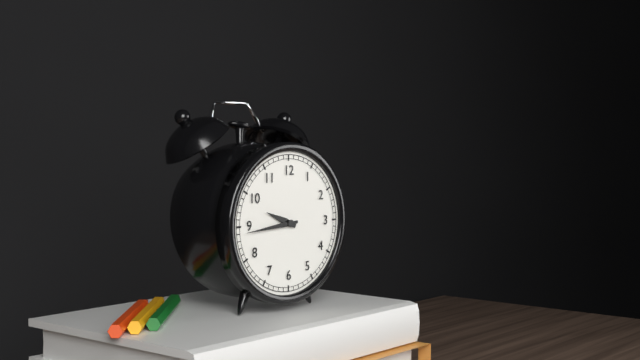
h=9 m=44
